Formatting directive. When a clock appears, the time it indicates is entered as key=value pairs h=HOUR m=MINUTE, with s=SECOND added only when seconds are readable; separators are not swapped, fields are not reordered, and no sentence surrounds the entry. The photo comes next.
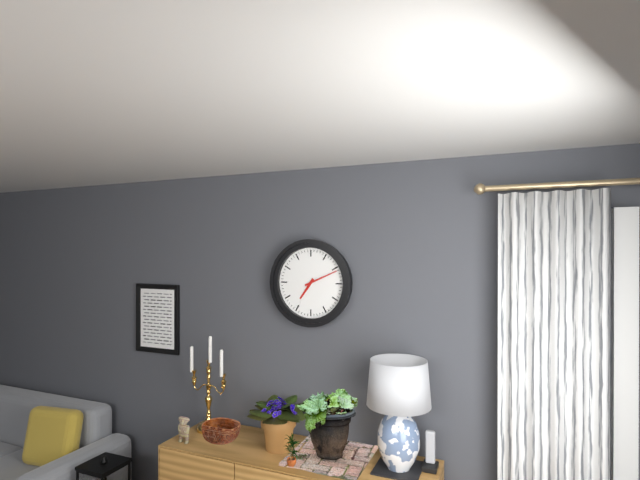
h=7 m=11
